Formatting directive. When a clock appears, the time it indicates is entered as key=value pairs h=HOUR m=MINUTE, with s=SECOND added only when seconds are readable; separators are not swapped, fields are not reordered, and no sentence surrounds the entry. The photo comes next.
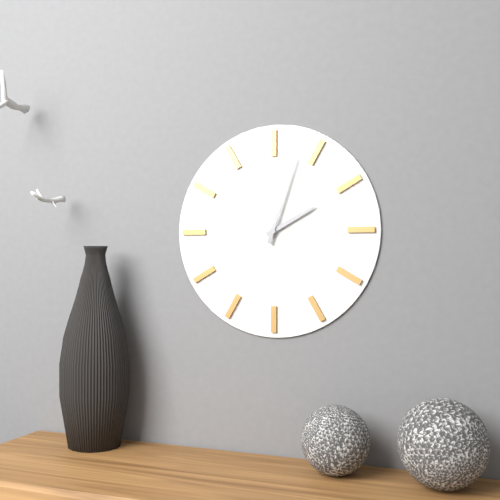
h=2 m=3
